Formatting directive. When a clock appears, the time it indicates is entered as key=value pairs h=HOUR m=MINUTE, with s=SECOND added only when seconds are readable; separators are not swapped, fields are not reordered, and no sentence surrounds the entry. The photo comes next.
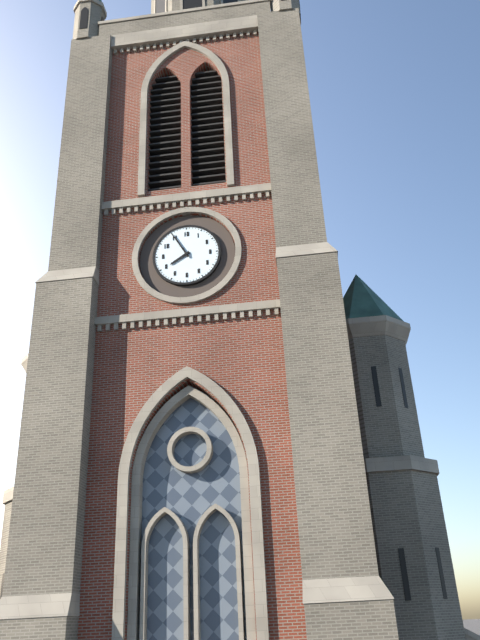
h=7 m=55
